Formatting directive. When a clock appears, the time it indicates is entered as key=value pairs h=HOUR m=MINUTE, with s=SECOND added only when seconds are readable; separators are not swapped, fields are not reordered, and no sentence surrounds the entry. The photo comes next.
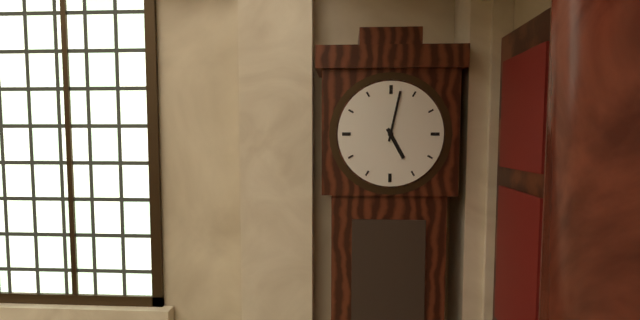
h=5 m=2
